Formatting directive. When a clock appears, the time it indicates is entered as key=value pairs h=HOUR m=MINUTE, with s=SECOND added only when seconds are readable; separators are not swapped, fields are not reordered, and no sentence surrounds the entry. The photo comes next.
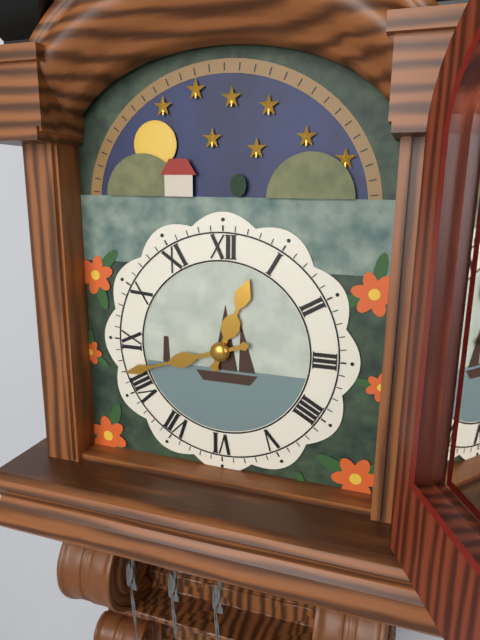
h=12 m=42
